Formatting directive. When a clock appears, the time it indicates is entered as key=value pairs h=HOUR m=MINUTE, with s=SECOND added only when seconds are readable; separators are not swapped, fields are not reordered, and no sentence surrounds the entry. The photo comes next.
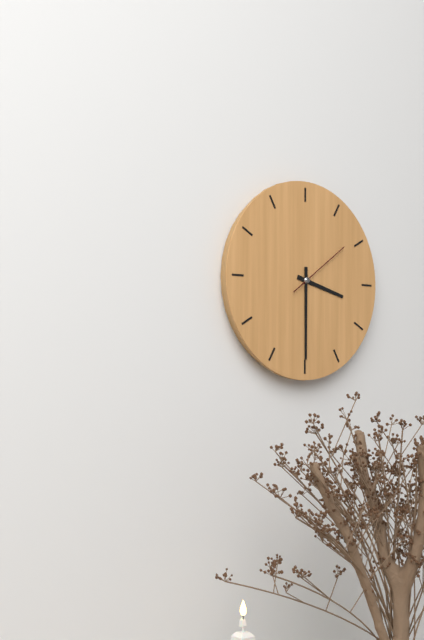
h=3 m=30 s=9
